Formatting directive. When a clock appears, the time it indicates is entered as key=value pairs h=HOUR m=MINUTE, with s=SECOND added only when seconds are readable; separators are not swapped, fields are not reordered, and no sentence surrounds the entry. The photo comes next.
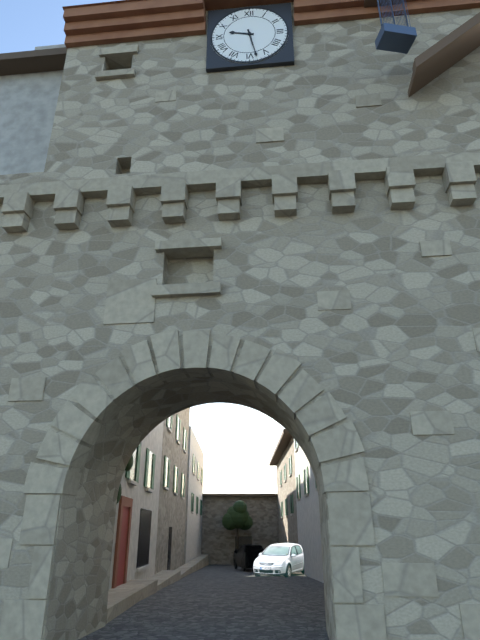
h=9 m=28
